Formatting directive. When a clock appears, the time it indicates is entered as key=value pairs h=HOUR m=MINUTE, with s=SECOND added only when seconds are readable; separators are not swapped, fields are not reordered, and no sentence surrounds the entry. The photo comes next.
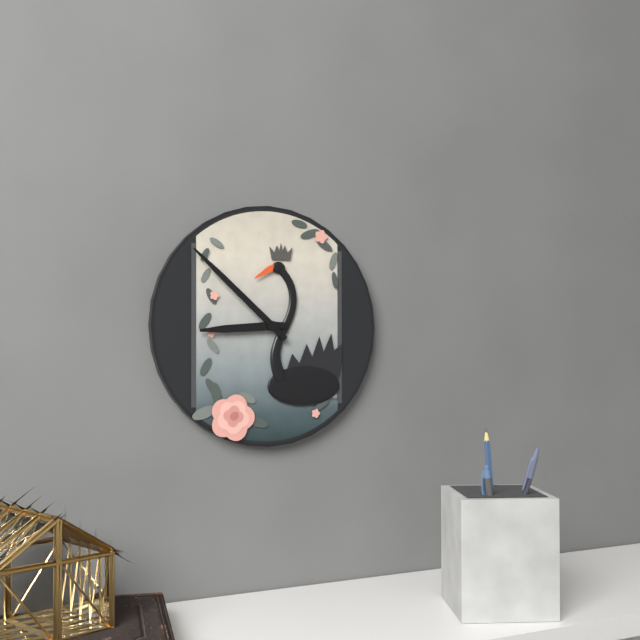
h=8 m=52
